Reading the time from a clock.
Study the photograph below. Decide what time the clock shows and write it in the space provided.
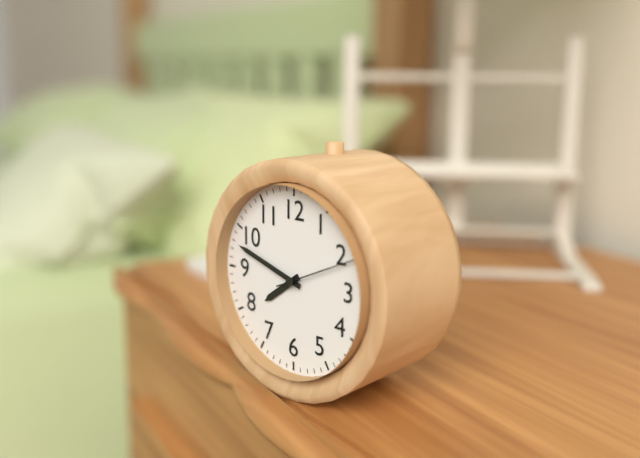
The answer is 7:48:11
